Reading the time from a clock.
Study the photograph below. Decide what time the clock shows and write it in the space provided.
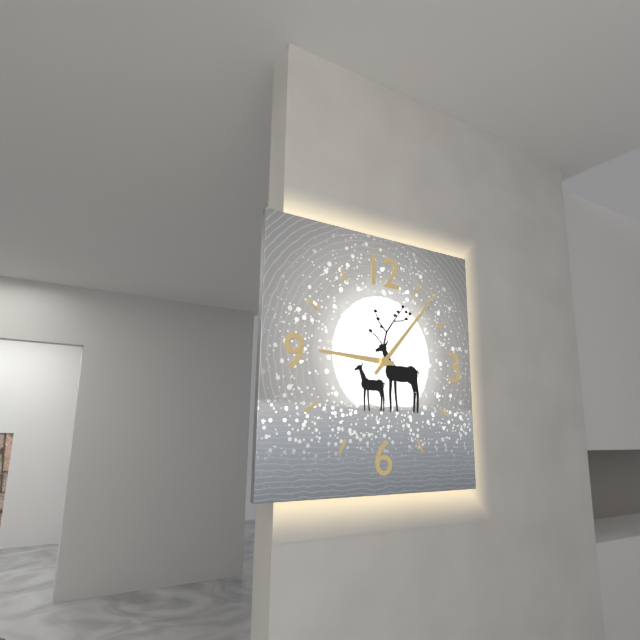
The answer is 9:07
